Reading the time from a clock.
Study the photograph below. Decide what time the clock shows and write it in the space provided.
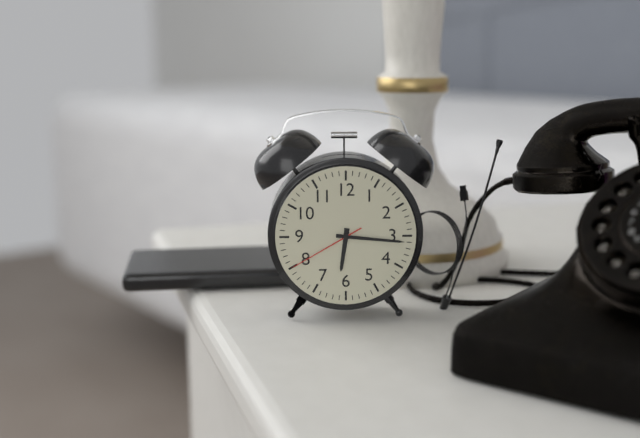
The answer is 6:16:40
